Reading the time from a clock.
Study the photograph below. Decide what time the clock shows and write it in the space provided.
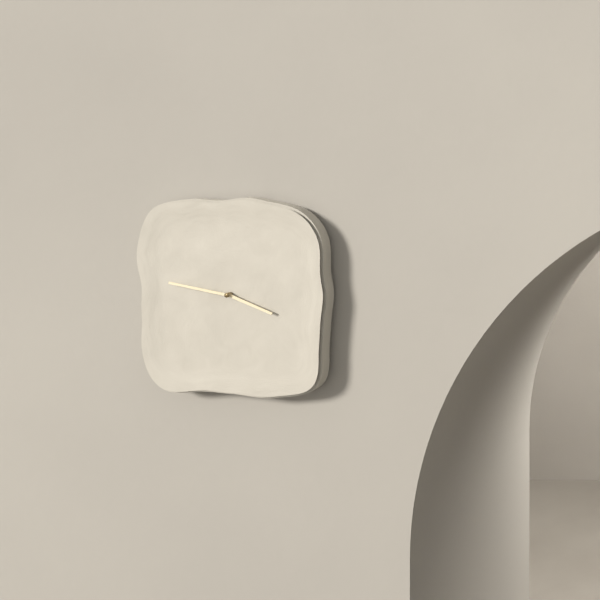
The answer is 3:47
